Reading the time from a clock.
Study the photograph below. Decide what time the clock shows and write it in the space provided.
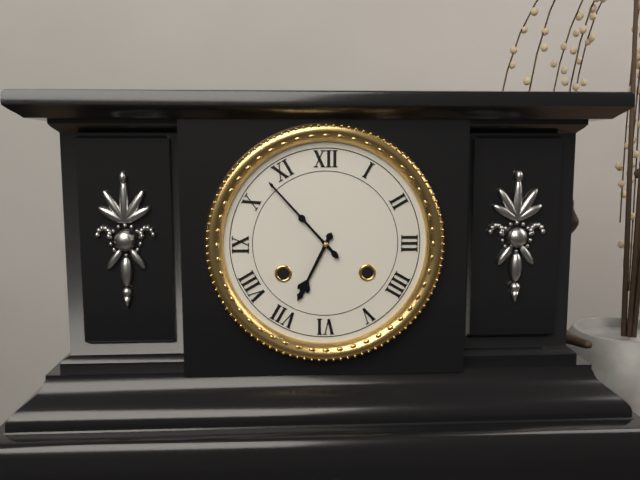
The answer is 6:53
